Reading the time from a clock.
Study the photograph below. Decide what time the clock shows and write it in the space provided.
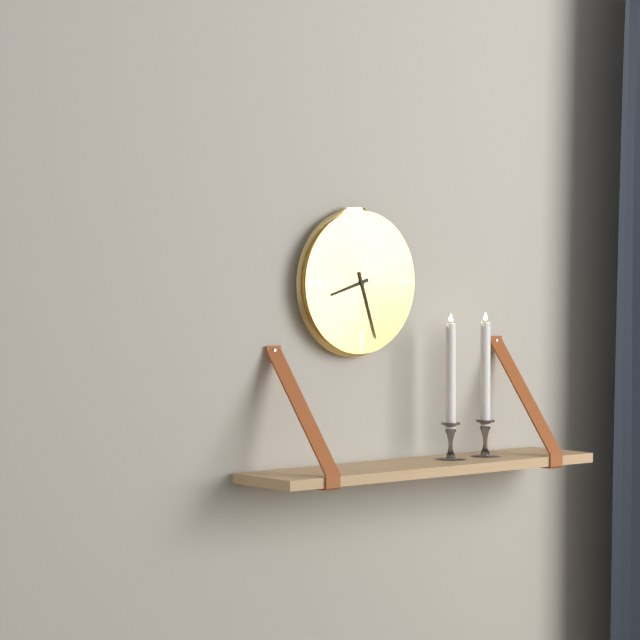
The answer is 8:27
